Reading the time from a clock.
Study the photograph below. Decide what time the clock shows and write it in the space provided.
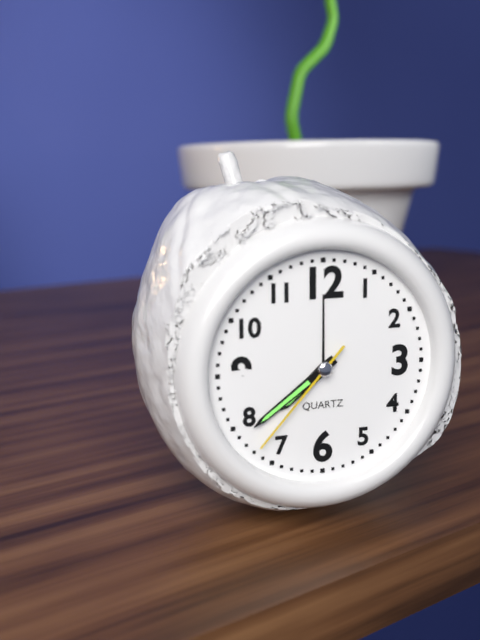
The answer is 7:39:37
